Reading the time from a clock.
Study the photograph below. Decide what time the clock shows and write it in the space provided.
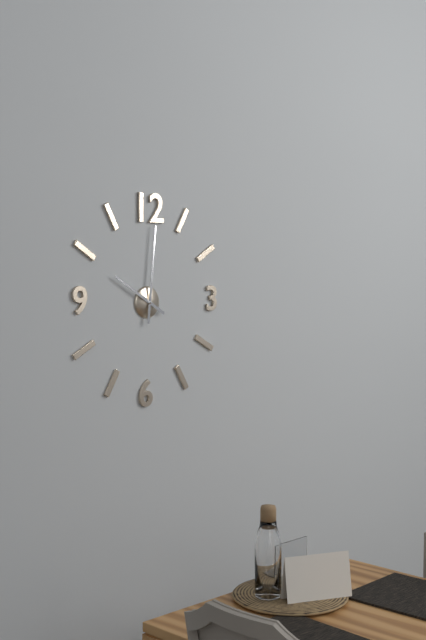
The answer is 10:01
